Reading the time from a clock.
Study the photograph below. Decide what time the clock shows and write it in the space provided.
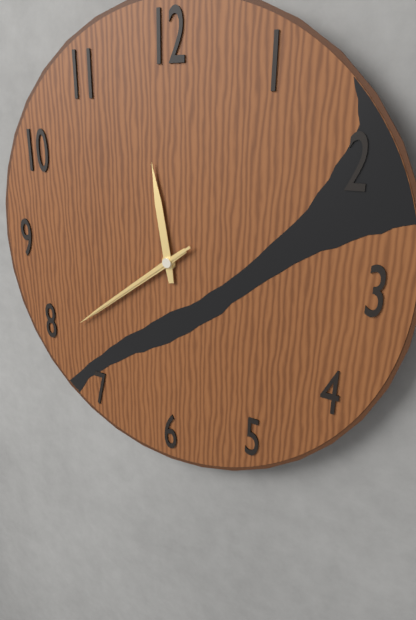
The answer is 11:39:39
